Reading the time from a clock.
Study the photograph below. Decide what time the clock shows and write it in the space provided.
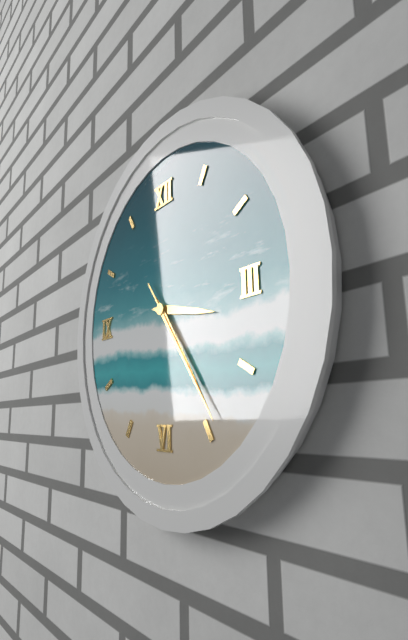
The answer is 3:24:24
